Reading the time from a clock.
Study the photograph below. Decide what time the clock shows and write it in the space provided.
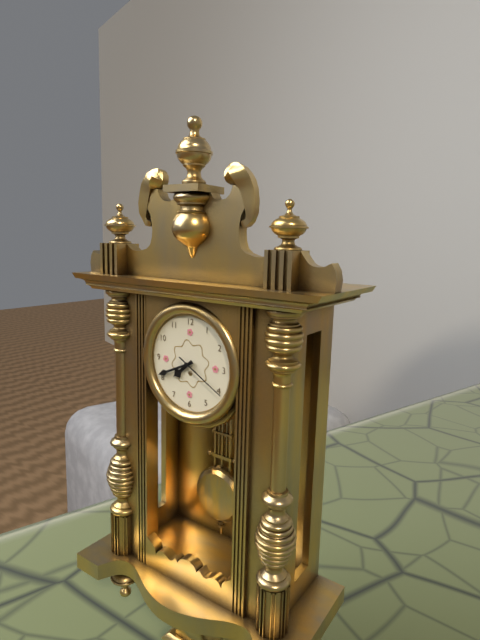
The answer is 7:41:20
